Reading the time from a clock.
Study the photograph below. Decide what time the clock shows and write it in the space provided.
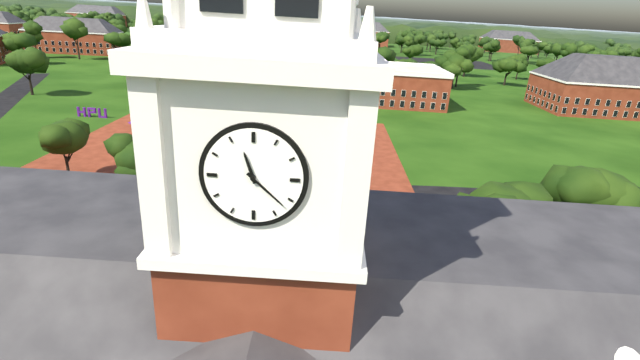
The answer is 11:22
